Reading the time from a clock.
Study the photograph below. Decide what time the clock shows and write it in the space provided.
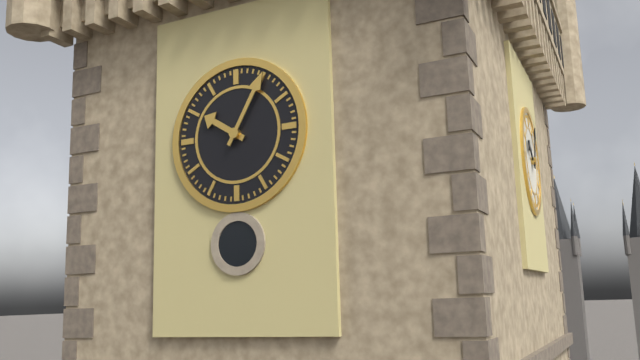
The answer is 10:05
